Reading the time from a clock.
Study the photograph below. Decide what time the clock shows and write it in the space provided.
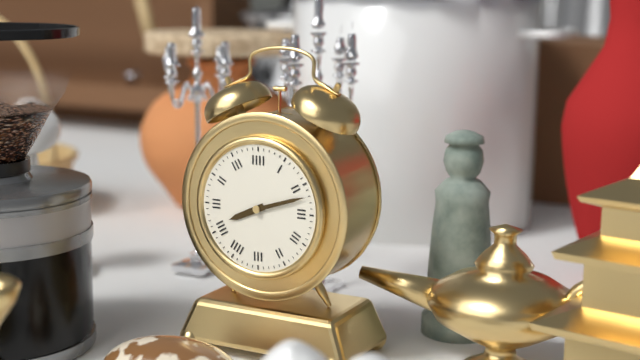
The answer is 8:12
